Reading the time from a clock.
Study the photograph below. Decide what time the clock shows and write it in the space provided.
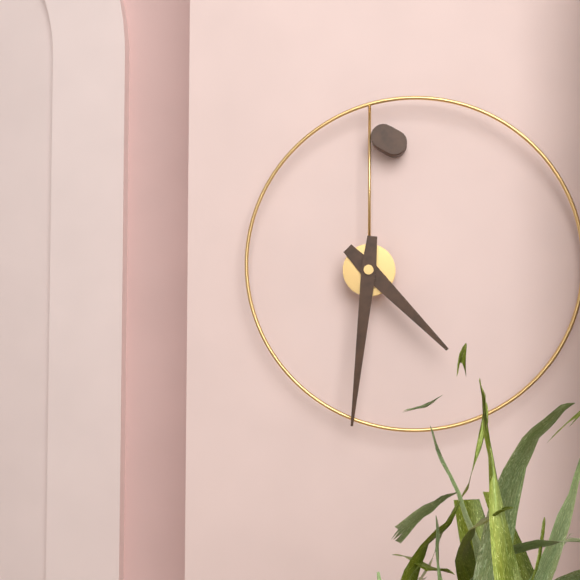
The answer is 4:31
